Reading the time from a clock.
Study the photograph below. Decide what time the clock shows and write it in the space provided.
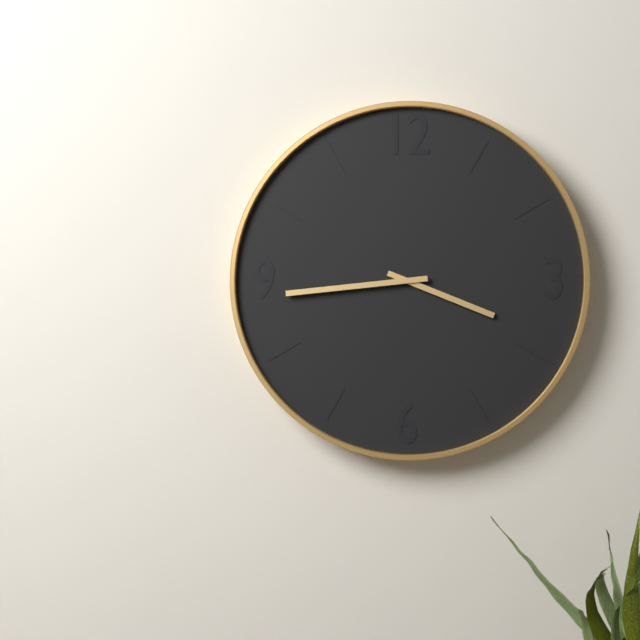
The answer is 3:44
